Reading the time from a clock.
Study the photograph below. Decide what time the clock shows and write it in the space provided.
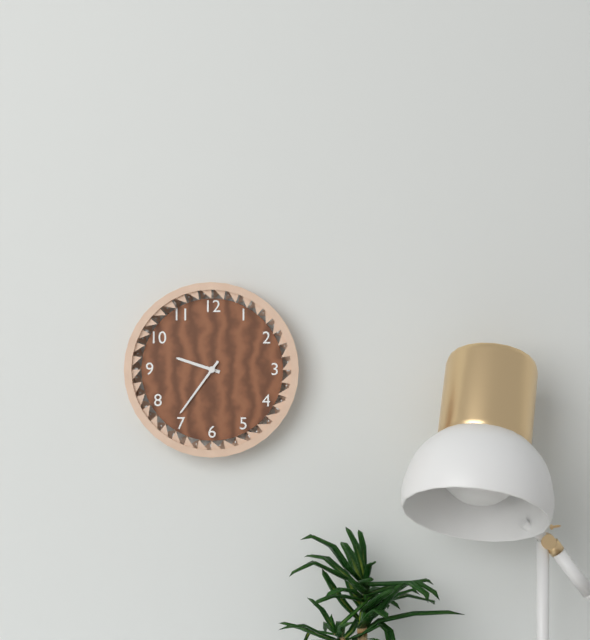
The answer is 9:36
